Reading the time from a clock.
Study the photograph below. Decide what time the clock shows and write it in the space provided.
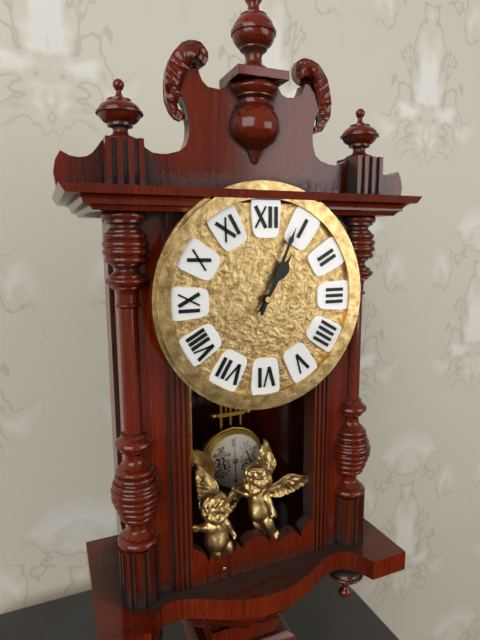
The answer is 1:04
